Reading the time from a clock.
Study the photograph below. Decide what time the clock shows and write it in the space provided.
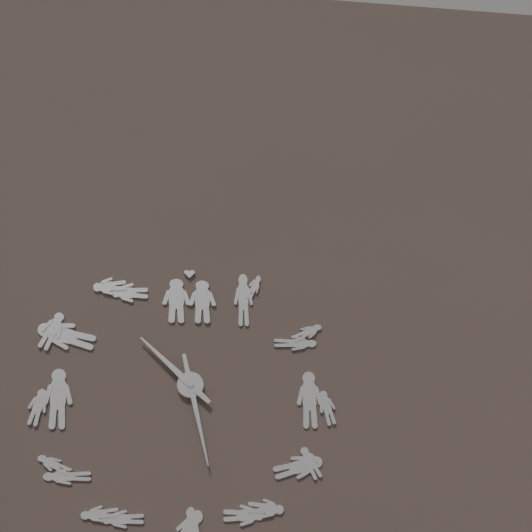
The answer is 10:28
